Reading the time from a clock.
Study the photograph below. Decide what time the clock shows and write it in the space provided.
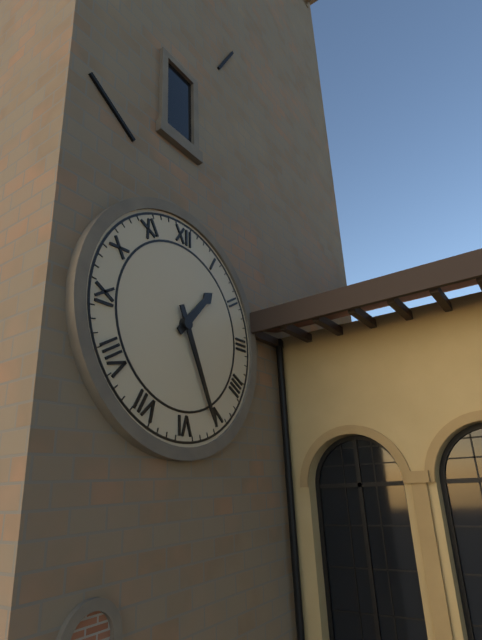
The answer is 1:26
